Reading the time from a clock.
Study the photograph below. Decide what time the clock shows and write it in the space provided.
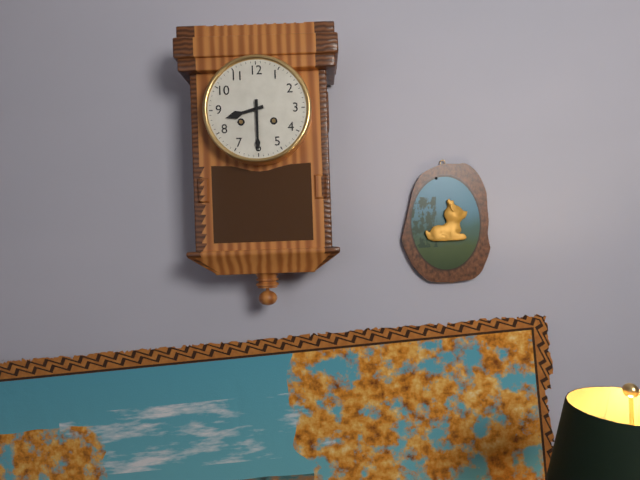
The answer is 8:30
